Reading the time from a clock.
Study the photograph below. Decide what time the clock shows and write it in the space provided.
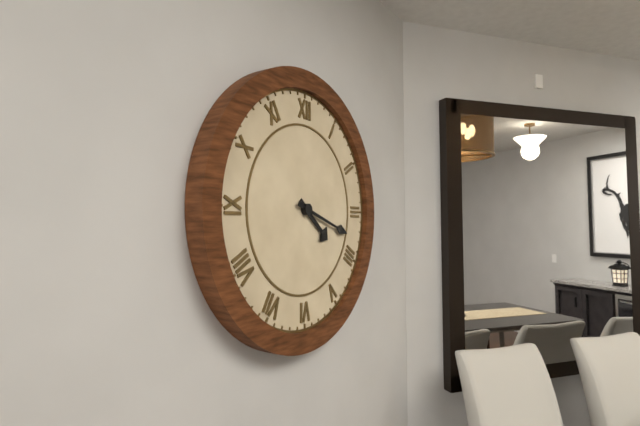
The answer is 4:18
